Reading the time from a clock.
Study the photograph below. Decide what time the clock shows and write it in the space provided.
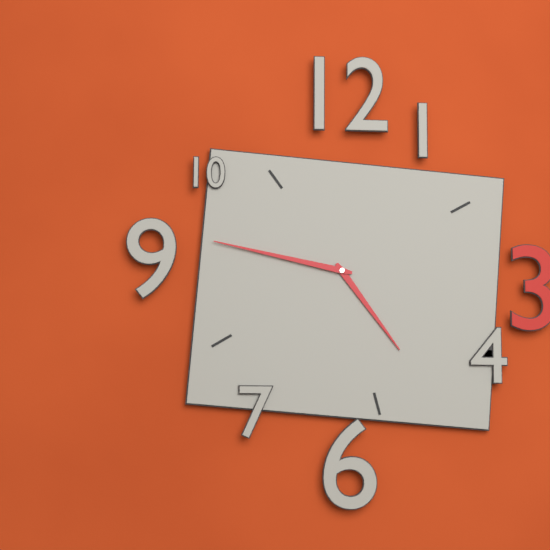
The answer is 4:47
